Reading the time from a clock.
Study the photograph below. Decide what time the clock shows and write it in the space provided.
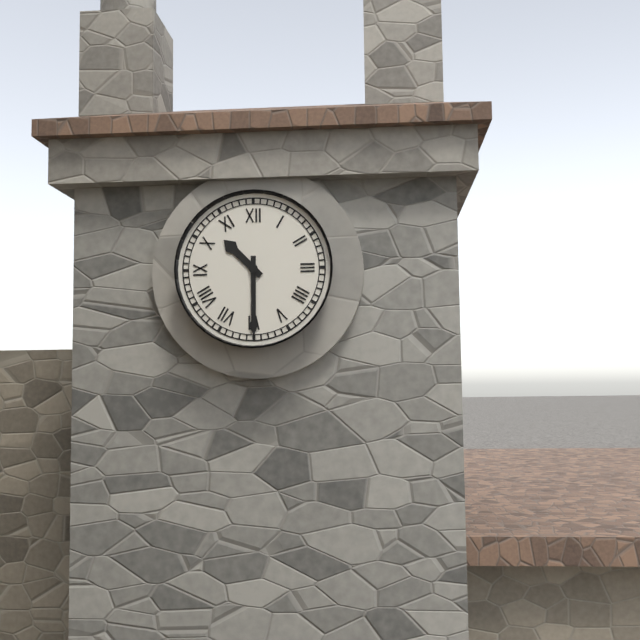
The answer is 10:30
